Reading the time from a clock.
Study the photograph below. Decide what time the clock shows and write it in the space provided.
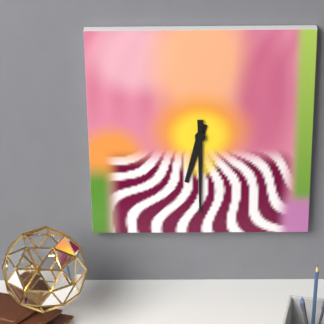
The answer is 6:30
